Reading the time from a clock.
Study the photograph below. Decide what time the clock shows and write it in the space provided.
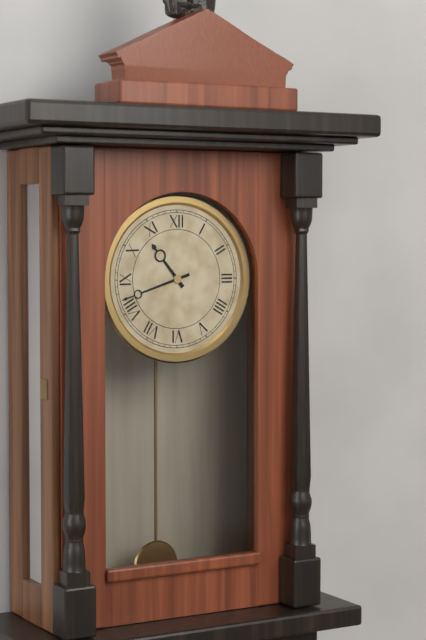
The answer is 10:42
